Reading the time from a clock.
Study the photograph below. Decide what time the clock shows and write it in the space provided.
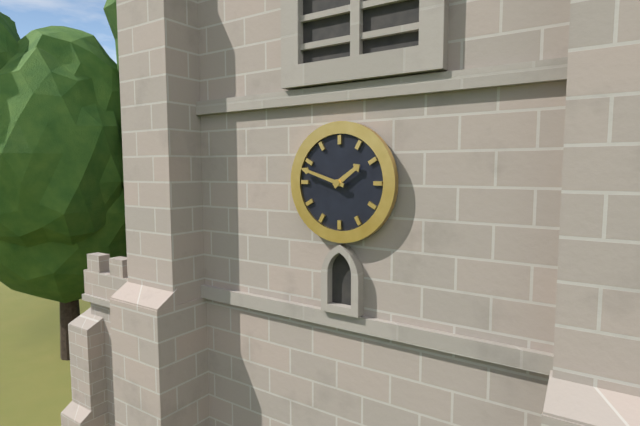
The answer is 1:48
